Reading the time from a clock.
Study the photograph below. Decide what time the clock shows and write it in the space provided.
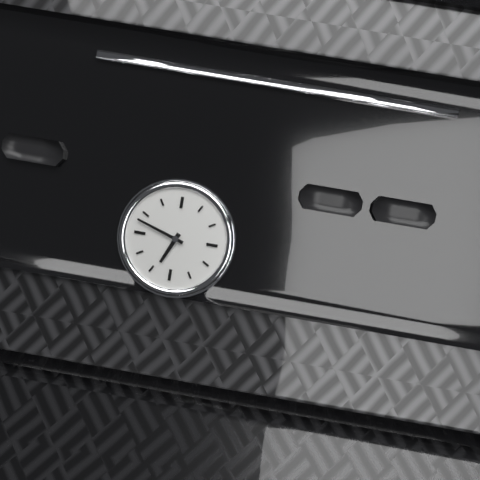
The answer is 6:48
